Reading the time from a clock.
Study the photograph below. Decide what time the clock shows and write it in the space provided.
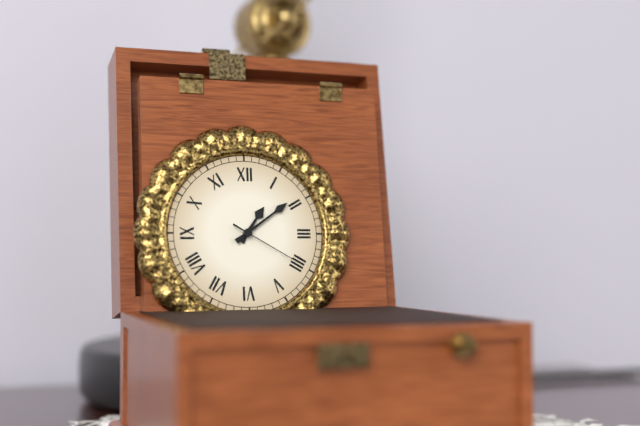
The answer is 1:09:20
